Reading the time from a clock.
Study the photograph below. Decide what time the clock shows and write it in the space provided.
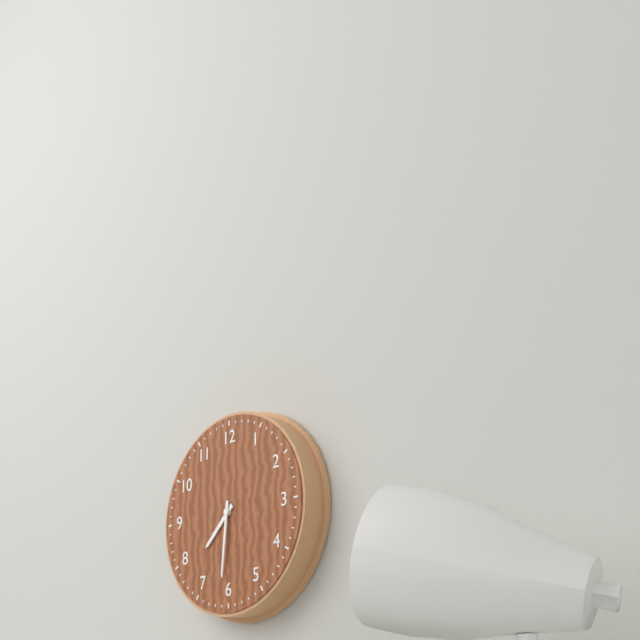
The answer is 7:31
